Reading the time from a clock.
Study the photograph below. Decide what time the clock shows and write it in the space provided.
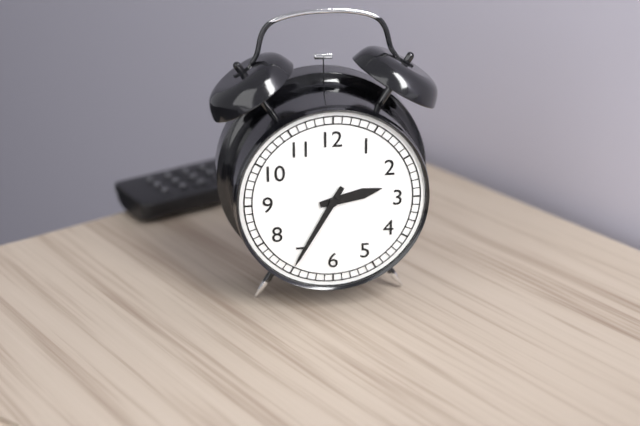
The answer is 2:35
